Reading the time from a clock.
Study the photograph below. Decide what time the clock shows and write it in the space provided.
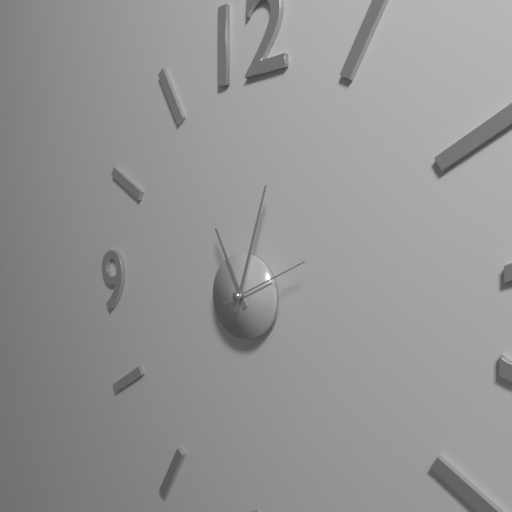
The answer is 11:03:11
